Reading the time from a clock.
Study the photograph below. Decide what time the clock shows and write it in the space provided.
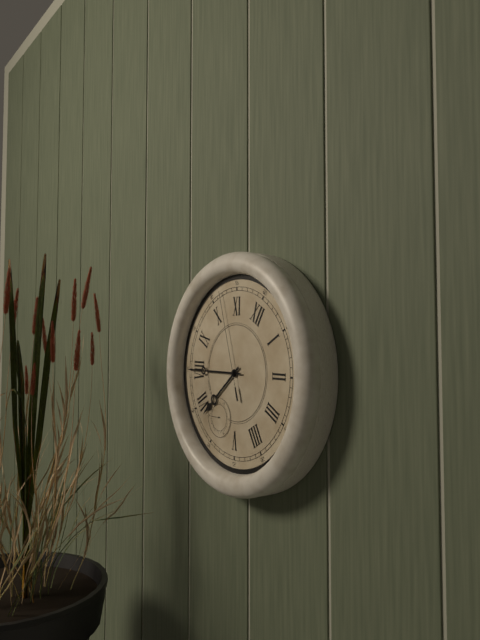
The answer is 6:40:52
